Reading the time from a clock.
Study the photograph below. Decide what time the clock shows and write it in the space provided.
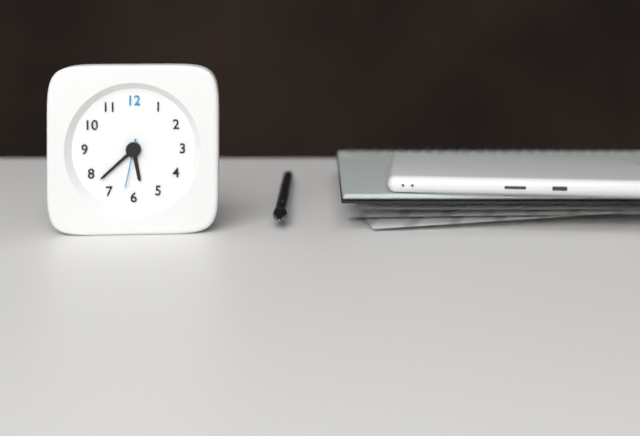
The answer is 5:38:32
